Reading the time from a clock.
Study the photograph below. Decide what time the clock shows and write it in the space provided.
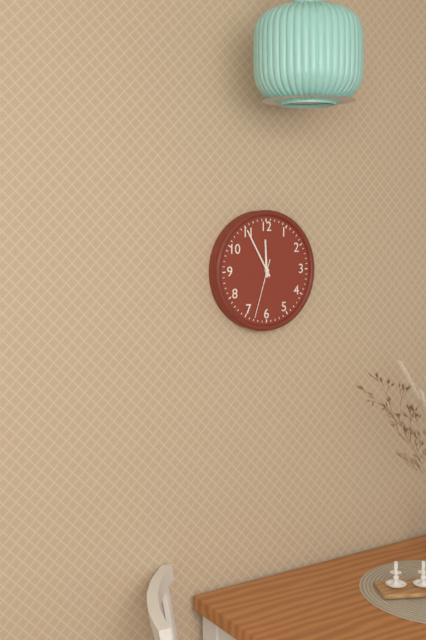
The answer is 11:55:33
